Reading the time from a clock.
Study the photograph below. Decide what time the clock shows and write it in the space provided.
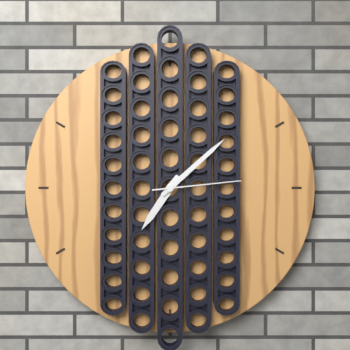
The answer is 7:08:14
